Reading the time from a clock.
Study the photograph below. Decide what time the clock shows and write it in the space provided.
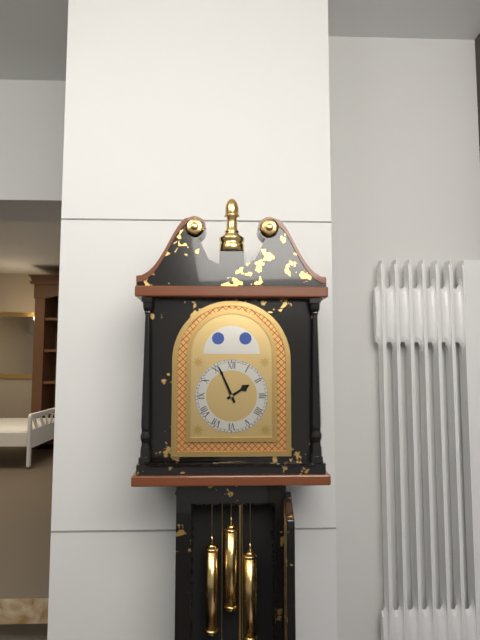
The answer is 1:56
